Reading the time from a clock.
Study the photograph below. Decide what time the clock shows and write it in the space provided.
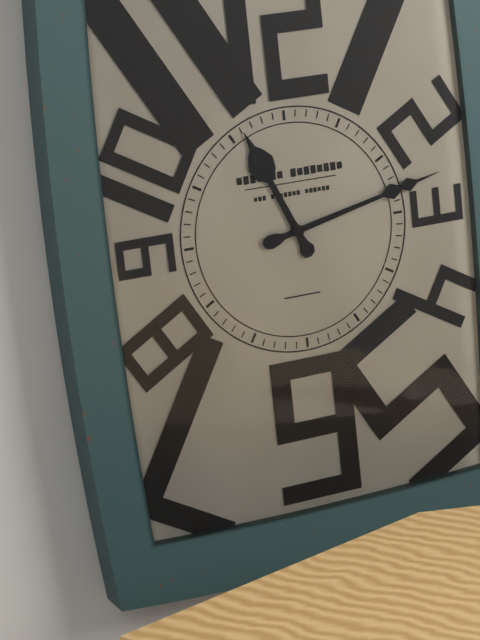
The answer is 11:13
